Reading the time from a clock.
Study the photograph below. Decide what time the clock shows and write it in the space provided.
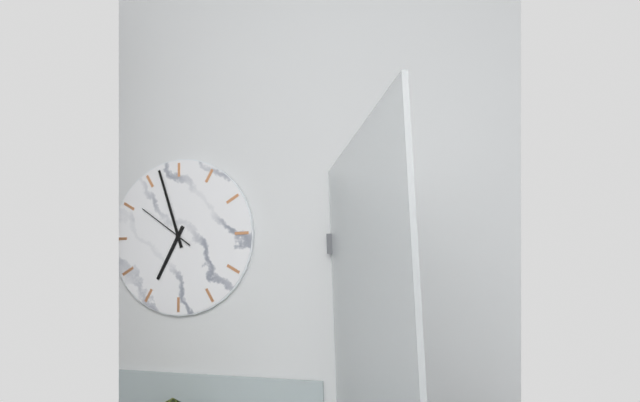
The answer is 6:57:51
